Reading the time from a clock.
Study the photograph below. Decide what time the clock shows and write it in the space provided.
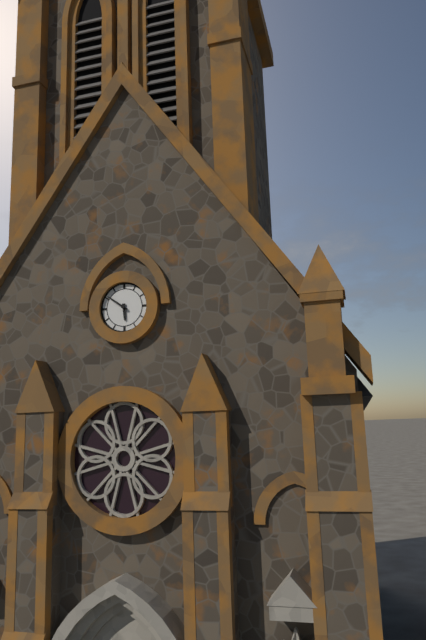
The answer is 5:51
